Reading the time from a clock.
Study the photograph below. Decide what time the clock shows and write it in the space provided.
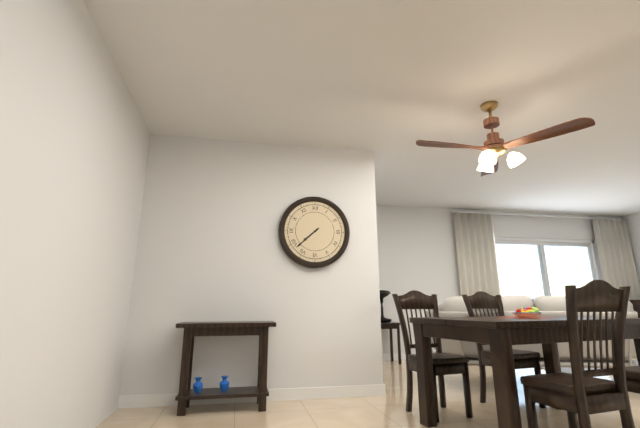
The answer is 7:38
